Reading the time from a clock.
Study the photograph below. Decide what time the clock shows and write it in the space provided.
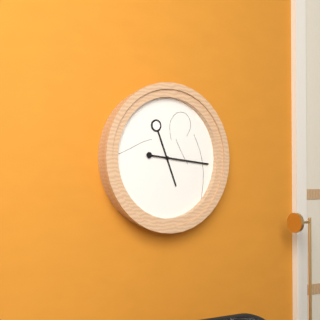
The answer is 5:16
